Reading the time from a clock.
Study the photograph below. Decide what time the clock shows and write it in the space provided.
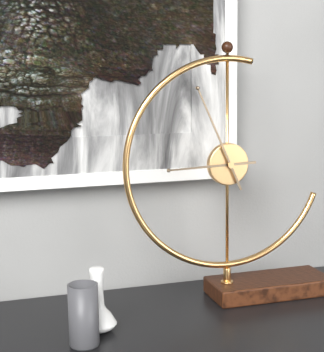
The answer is 8:56
